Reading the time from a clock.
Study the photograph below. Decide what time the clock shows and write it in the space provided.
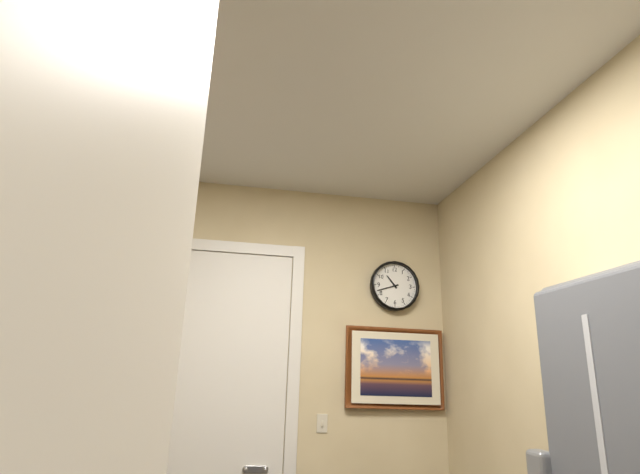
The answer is 10:42
